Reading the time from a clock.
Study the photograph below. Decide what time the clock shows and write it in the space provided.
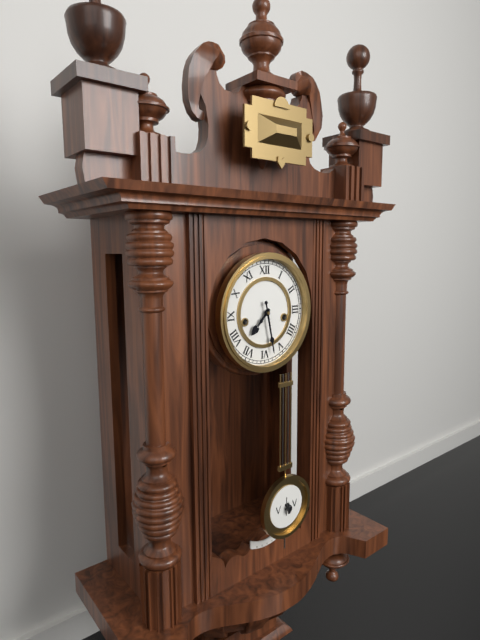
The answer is 7:28
